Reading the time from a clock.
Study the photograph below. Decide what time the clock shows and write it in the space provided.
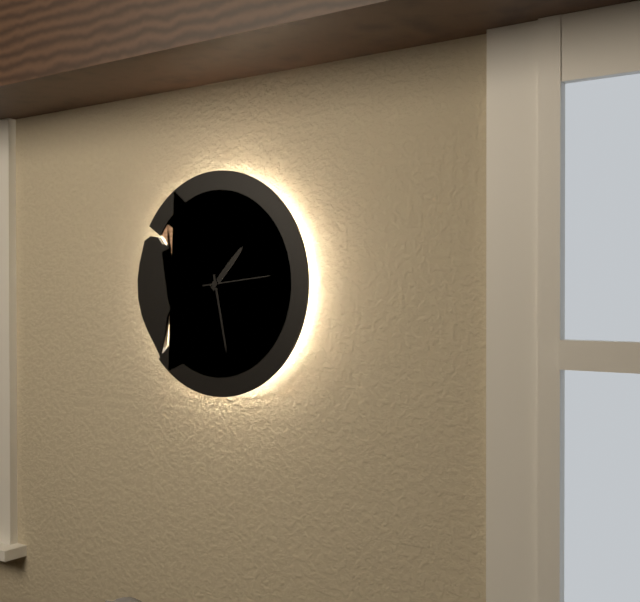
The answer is 1:28:14
